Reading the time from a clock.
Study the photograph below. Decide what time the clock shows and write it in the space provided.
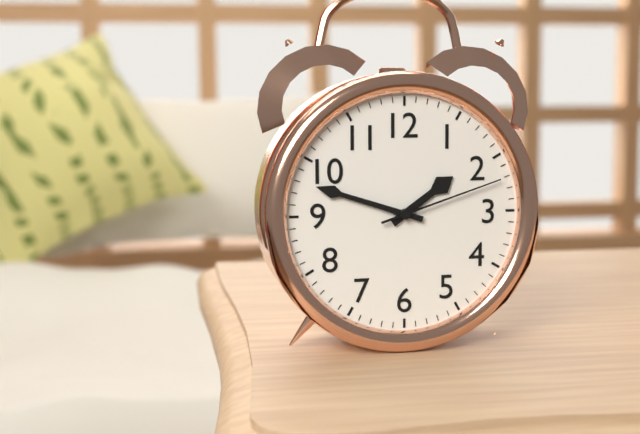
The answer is 1:48:12
